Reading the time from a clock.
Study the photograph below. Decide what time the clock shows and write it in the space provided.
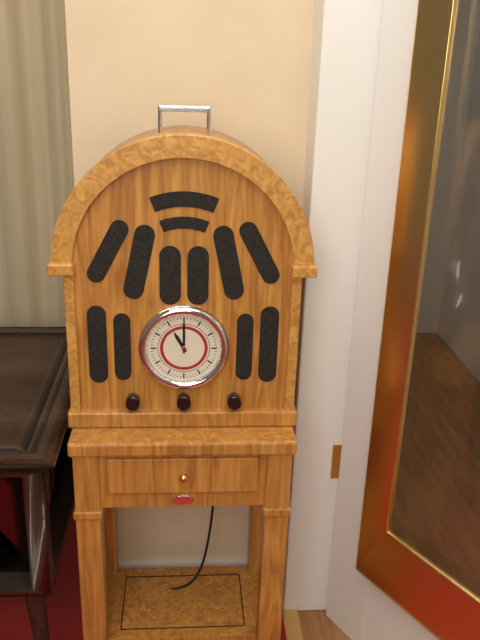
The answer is 11:00
